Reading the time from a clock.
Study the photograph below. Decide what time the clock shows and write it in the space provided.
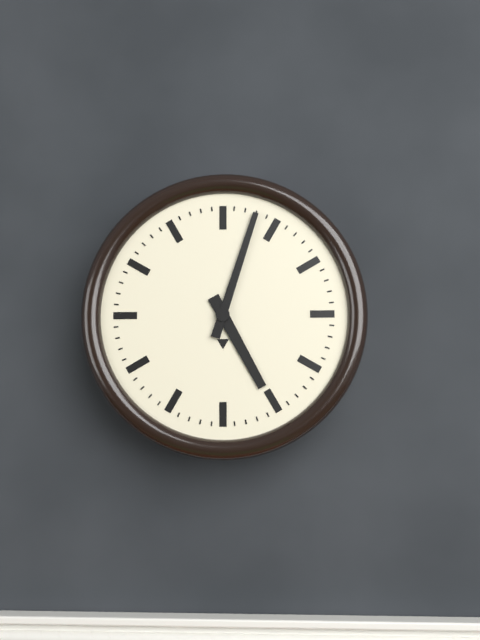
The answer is 5:03
